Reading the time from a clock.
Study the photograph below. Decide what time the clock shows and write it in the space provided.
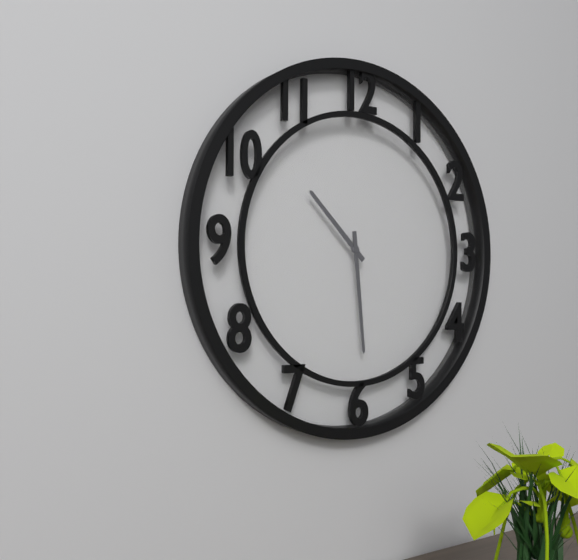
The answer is 10:29
